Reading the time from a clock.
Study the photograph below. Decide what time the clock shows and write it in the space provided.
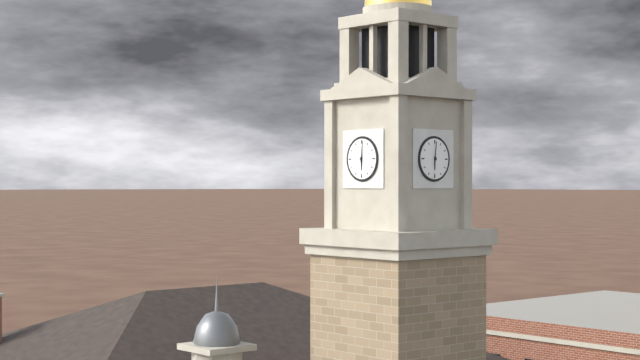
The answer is 6:01
